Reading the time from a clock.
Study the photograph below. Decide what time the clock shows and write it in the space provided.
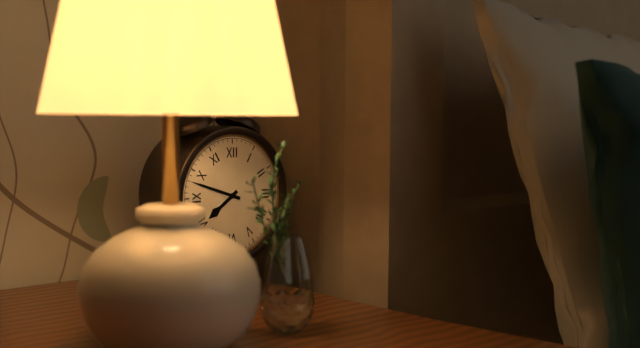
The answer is 7:48
